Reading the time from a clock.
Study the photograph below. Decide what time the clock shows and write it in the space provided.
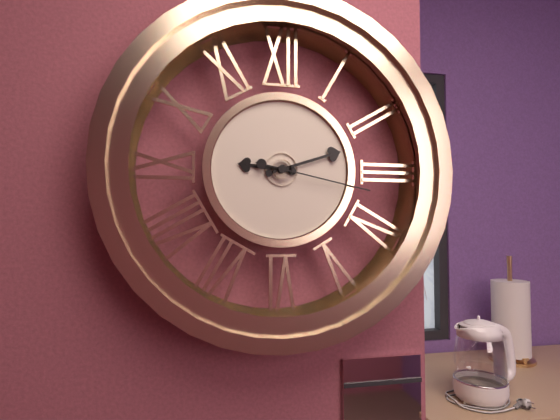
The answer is 9:12:17
